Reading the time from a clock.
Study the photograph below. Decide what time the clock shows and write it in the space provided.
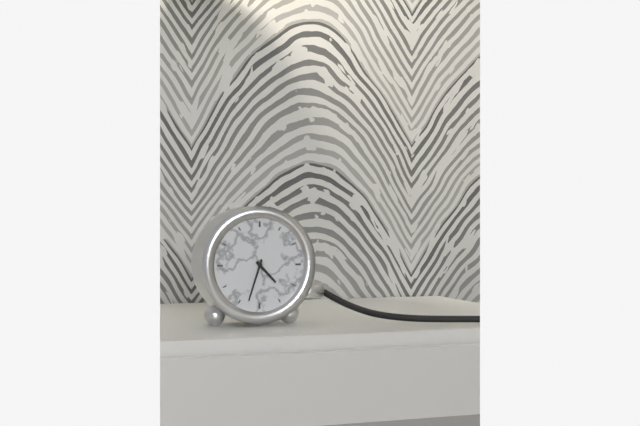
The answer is 4:33
